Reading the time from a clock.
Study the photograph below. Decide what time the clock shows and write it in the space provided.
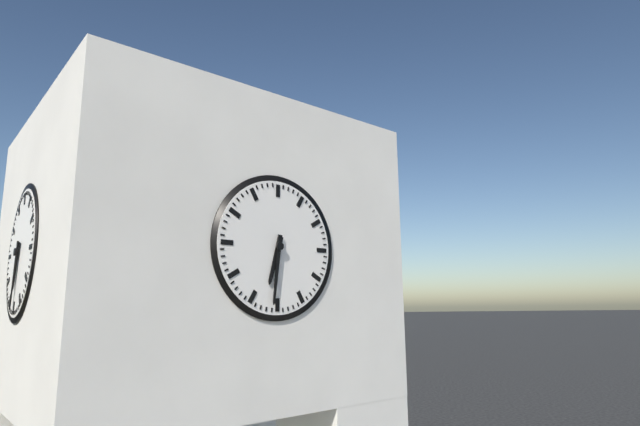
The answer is 6:31
